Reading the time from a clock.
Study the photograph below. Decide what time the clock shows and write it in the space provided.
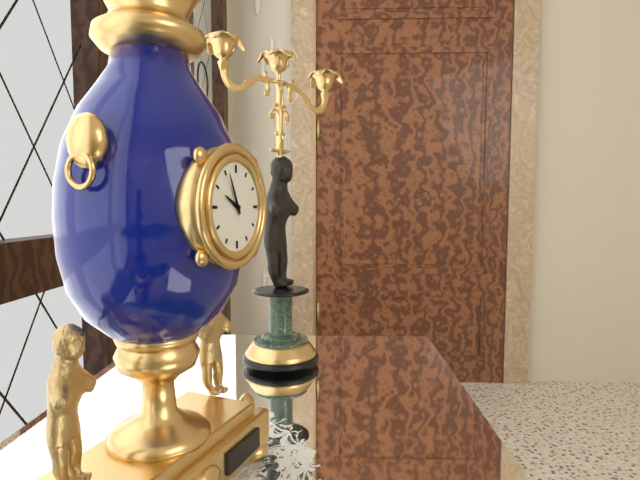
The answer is 9:56
